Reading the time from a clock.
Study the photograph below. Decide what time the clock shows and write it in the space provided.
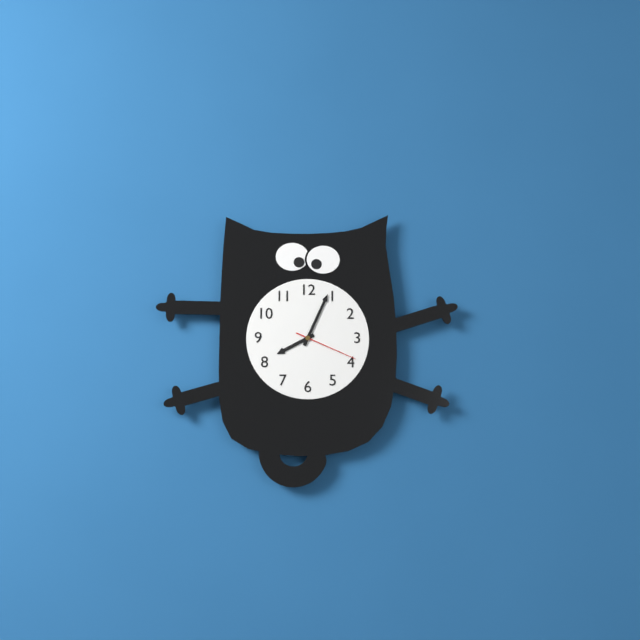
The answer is 8:04:19
